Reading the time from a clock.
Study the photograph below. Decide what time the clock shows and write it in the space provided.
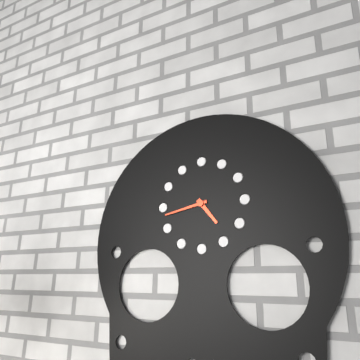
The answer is 4:43
